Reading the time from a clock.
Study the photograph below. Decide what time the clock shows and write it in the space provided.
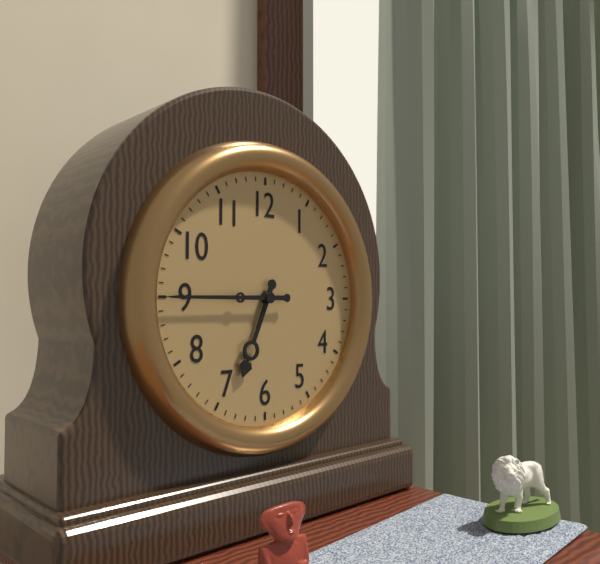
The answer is 6:45
